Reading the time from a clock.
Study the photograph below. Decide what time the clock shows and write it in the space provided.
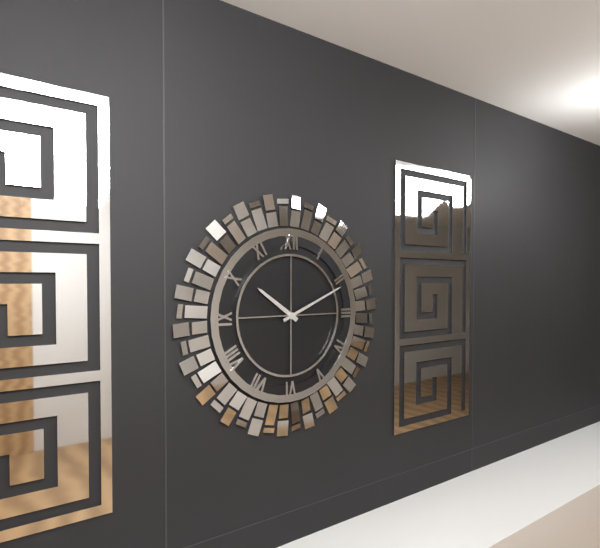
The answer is 10:11
